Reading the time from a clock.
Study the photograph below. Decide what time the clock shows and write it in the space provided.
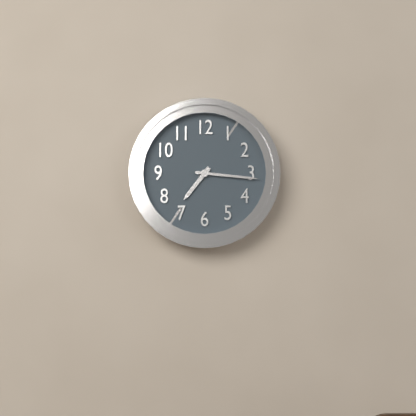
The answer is 7:16
